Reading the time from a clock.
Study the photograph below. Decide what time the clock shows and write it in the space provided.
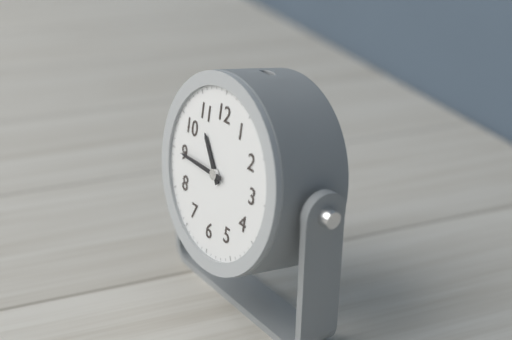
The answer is 10:45
